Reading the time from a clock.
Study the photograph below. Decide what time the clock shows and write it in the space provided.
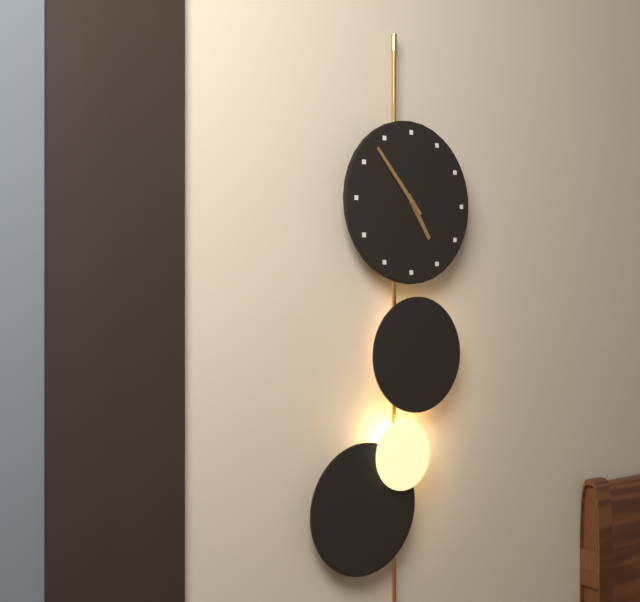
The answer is 4:53
